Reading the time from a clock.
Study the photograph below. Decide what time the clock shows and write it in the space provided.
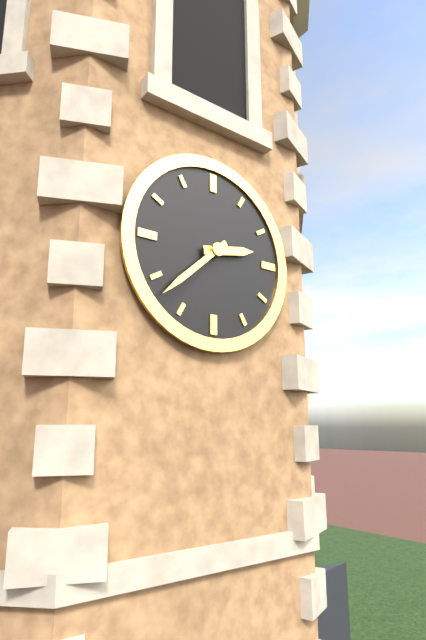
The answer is 2:38
